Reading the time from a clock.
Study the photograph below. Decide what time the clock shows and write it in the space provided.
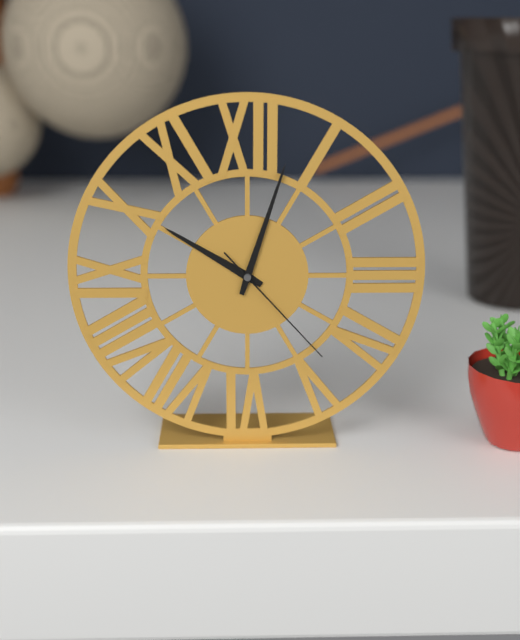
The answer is 10:03:23
